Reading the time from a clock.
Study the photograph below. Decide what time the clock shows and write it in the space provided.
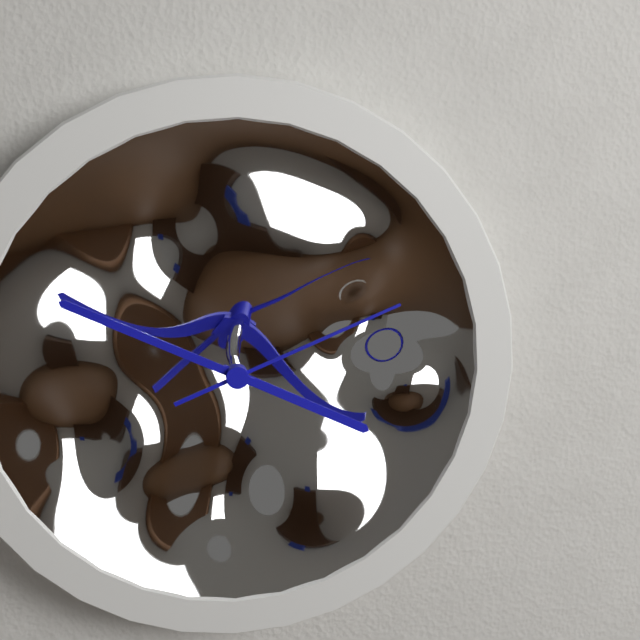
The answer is 3:49:11
